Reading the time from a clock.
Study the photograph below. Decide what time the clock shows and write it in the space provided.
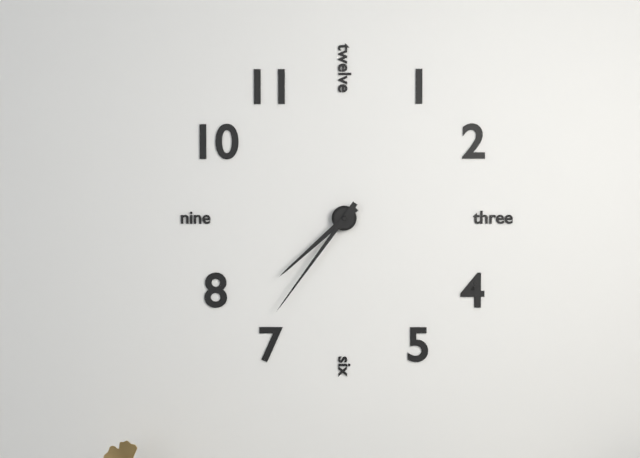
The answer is 7:36
